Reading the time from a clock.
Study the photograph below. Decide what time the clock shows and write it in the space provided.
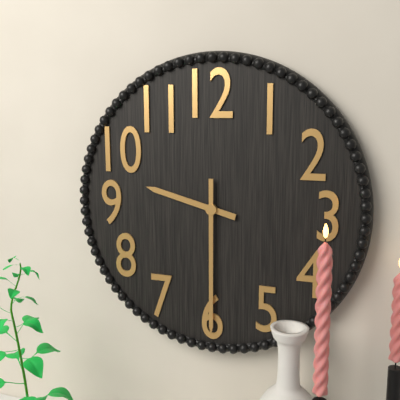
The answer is 9:30
